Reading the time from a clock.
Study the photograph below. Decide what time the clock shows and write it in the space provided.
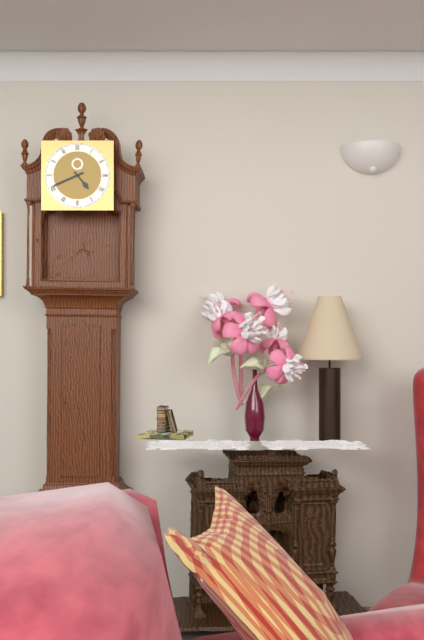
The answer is 4:41
